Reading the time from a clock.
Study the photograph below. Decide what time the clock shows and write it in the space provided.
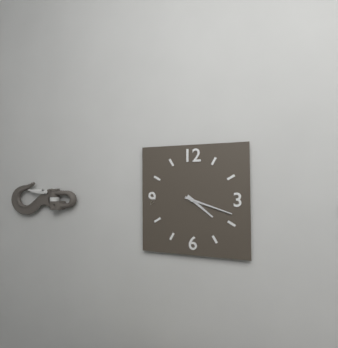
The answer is 4:18
